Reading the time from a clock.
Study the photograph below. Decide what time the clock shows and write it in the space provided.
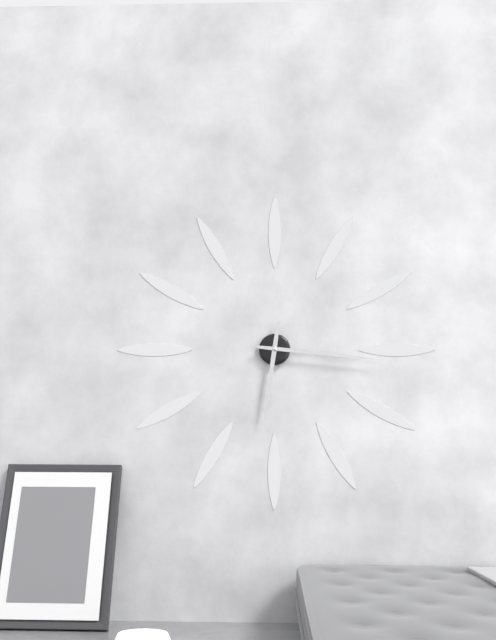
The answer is 6:16
